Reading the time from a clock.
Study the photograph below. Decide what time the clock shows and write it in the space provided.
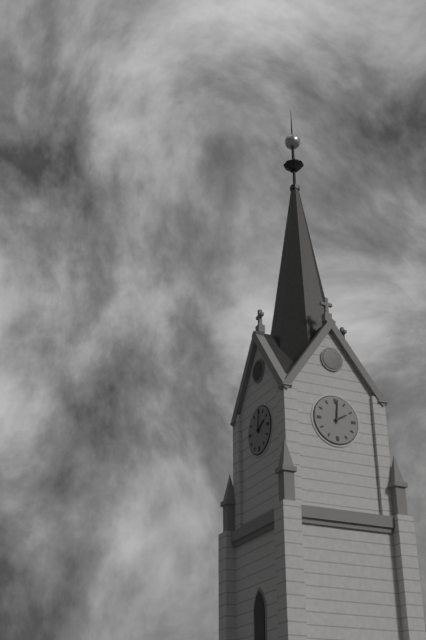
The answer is 2:01
